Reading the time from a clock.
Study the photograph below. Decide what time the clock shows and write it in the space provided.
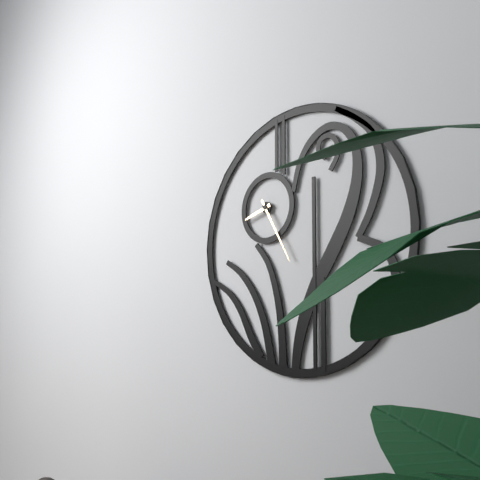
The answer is 8:25
